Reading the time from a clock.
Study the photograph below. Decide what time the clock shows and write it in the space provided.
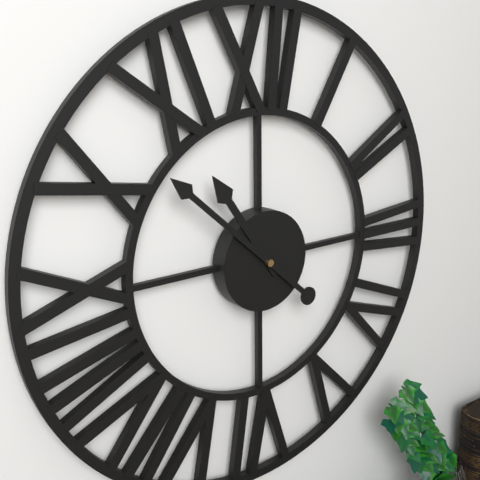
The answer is 10:52
